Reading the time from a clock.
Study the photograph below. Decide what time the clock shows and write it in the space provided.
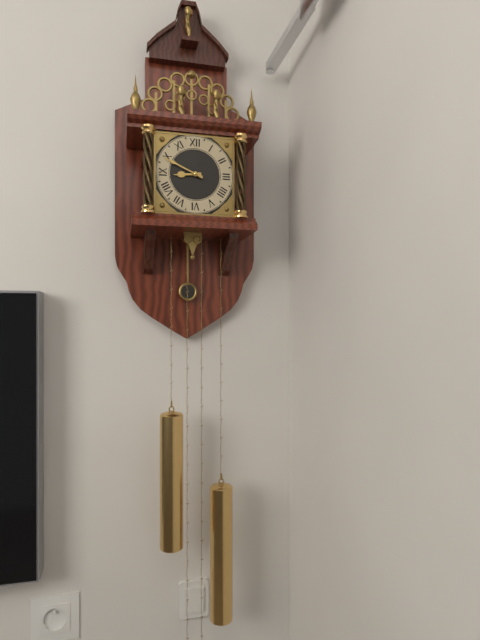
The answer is 8:49
